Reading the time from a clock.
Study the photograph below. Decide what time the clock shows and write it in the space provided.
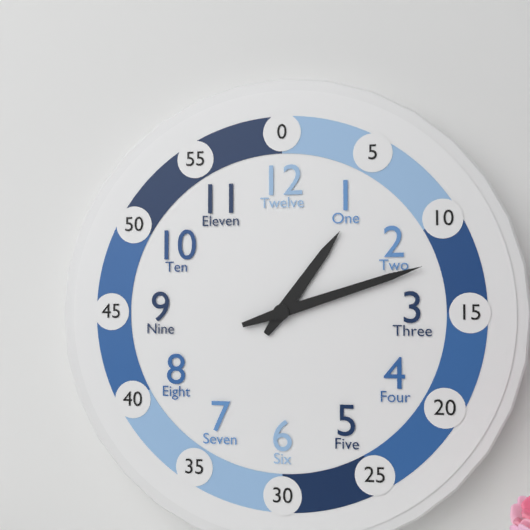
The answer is 1:12
